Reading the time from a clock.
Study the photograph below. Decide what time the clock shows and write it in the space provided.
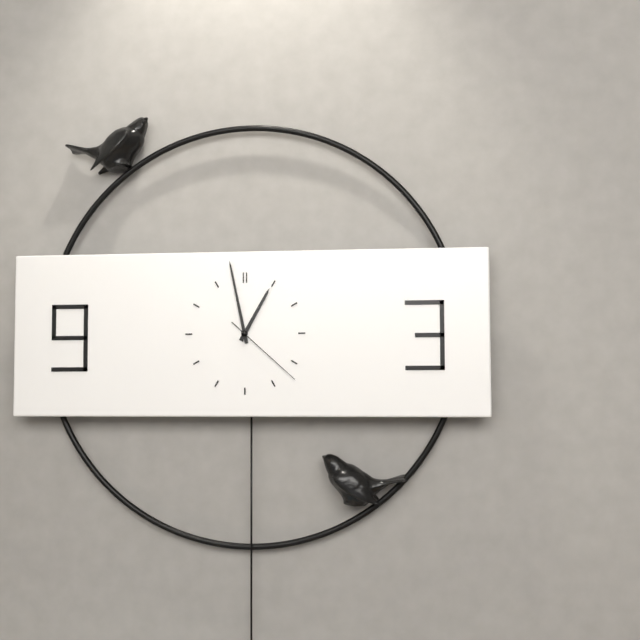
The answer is 12:58:22
